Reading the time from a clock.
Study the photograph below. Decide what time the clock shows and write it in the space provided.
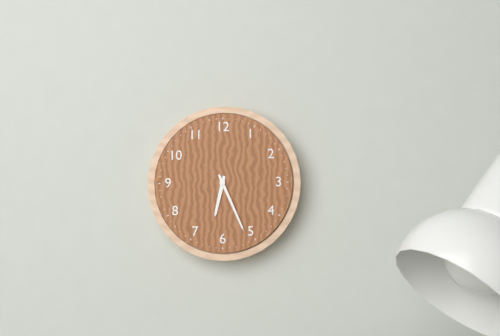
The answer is 6:26
